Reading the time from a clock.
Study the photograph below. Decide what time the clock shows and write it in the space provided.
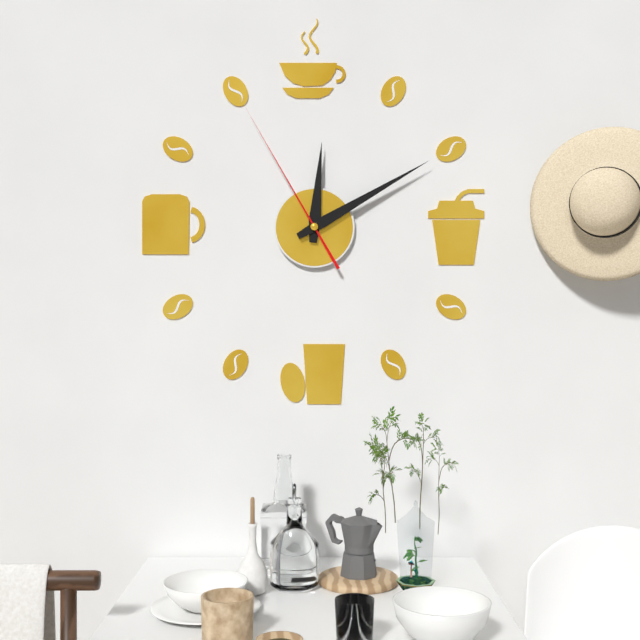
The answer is 12:10:55
